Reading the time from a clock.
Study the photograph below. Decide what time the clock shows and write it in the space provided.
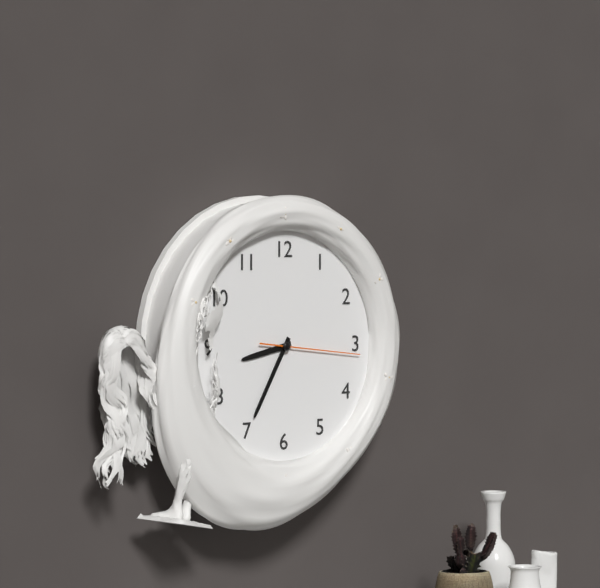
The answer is 8:35:16
